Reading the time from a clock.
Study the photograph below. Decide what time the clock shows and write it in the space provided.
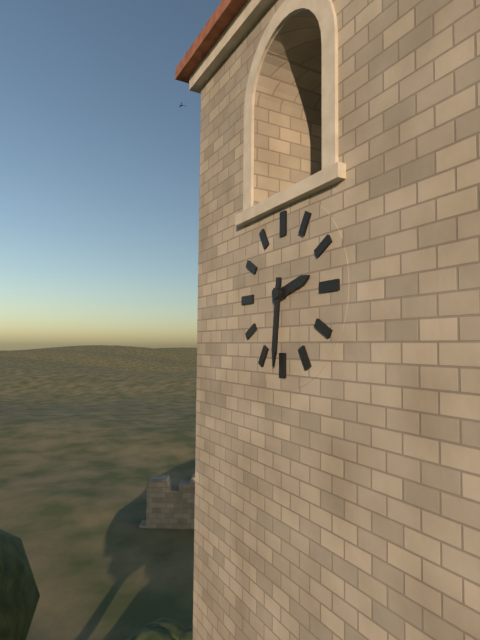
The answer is 2:31
